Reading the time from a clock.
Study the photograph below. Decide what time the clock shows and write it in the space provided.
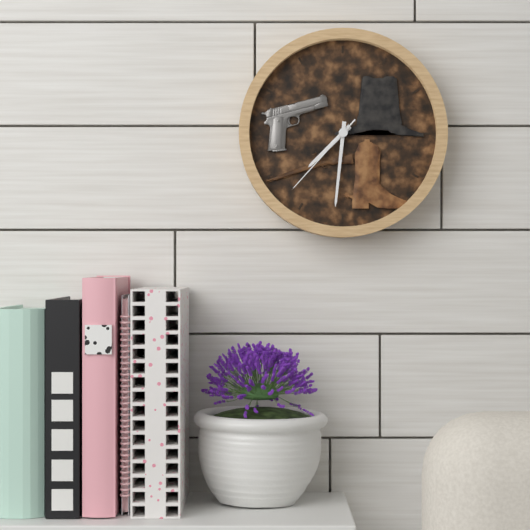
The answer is 7:31:37
